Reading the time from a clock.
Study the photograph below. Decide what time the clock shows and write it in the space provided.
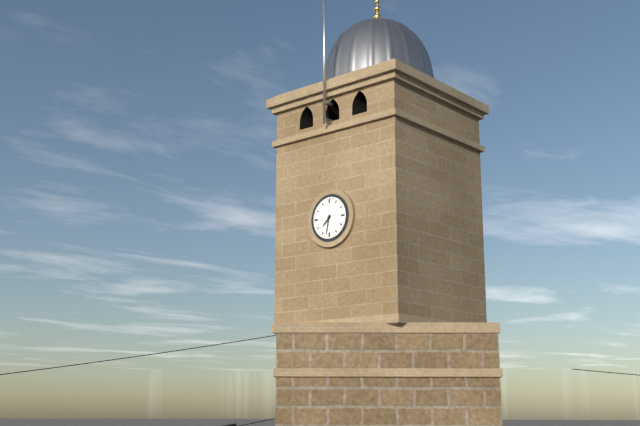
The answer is 7:32
